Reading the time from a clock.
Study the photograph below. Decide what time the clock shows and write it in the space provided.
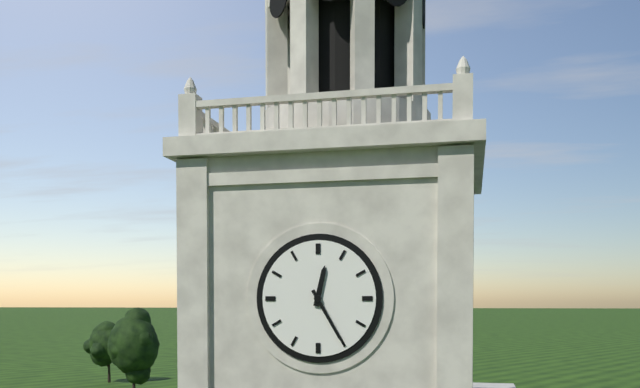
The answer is 12:25
